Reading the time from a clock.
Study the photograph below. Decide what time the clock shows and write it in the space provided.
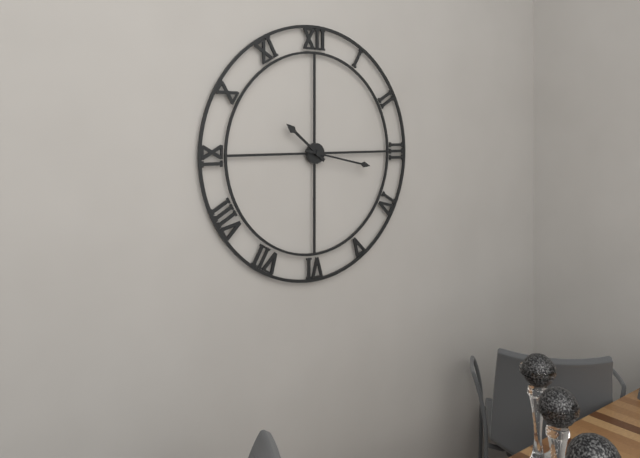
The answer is 10:17
